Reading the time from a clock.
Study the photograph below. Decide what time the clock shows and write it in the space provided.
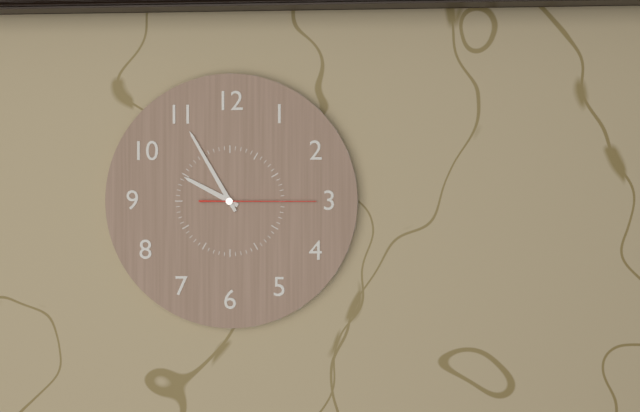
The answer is 9:55:15
